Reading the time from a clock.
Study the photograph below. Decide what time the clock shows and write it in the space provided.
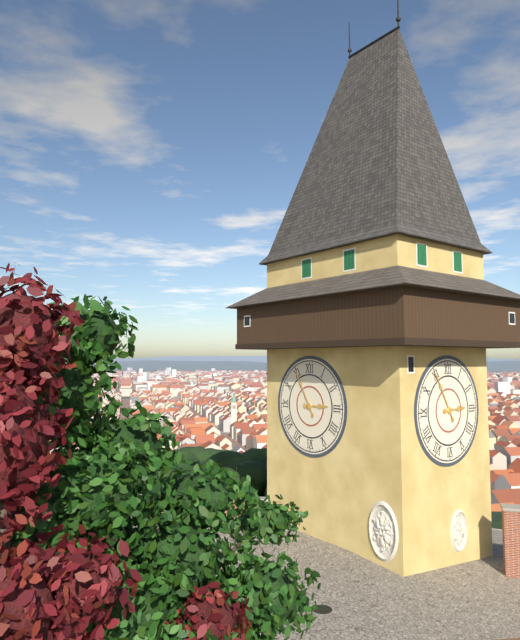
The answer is 2:55
